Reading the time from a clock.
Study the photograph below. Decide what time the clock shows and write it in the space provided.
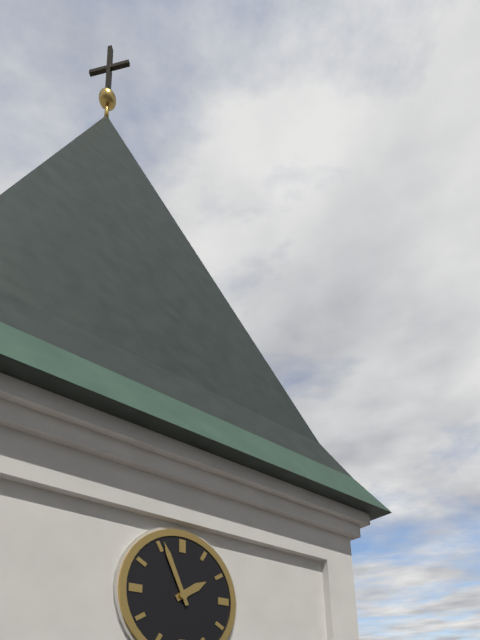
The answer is 1:56
